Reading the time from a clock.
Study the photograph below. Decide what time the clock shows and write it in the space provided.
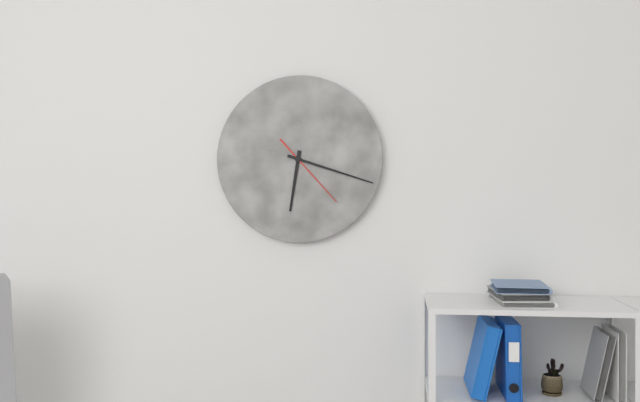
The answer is 6:18:23
